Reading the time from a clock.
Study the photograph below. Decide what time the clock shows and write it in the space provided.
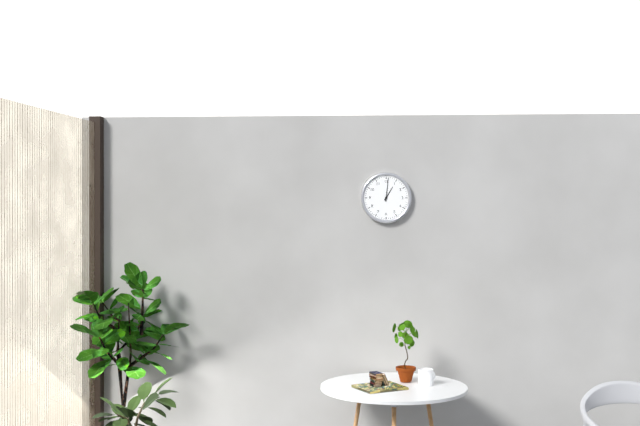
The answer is 1:01
